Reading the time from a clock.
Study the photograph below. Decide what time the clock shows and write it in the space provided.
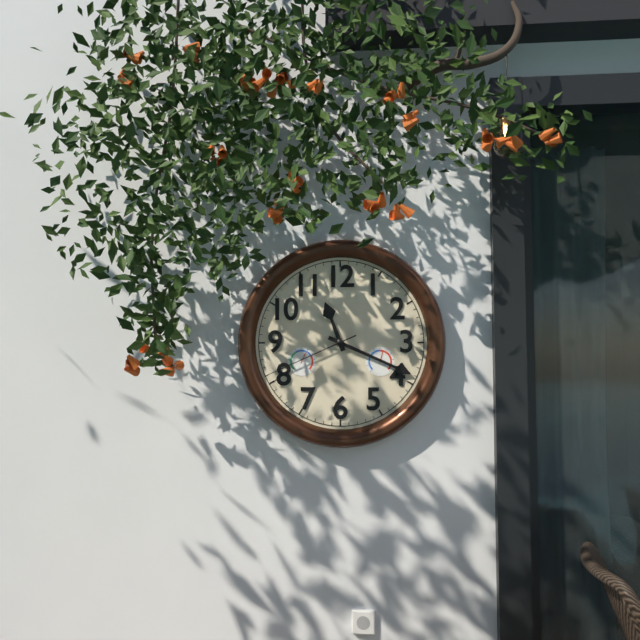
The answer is 11:19:41
